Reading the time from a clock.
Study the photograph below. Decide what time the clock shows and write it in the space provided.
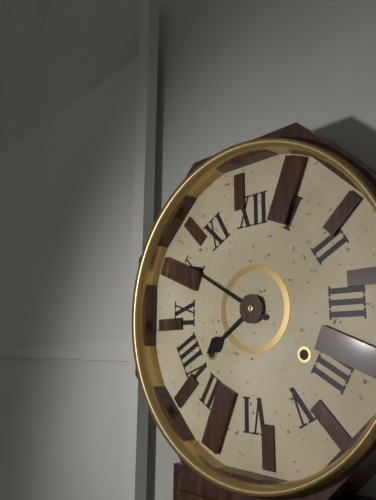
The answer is 7:50
